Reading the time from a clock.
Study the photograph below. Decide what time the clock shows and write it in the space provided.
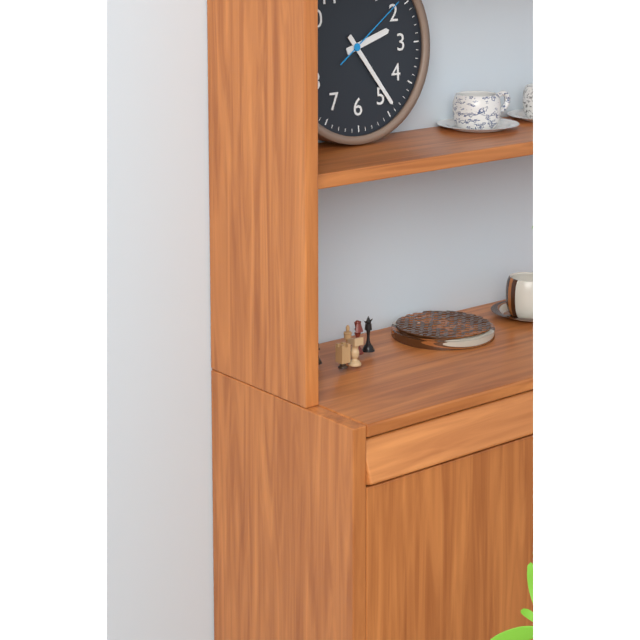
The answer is 2:24:09
